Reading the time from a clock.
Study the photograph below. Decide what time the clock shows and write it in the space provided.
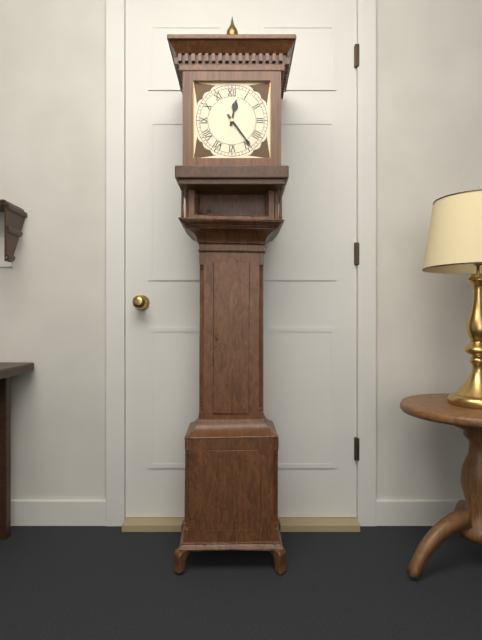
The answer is 12:24
